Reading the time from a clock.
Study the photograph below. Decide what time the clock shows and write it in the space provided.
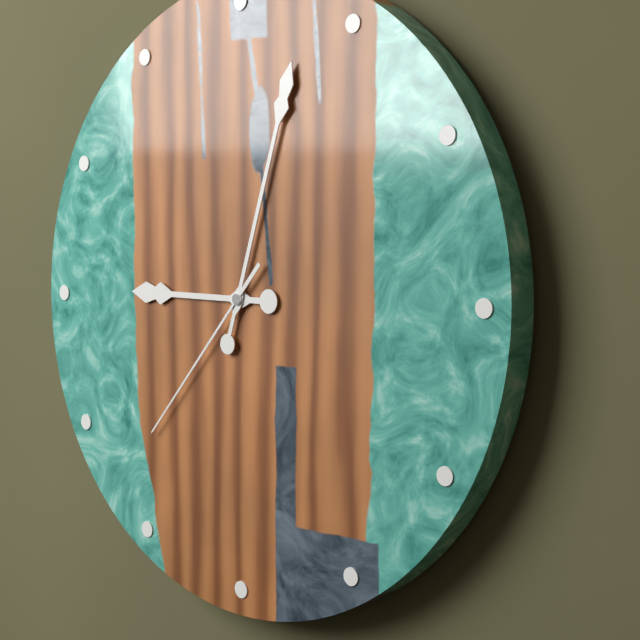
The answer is 9:03:37
